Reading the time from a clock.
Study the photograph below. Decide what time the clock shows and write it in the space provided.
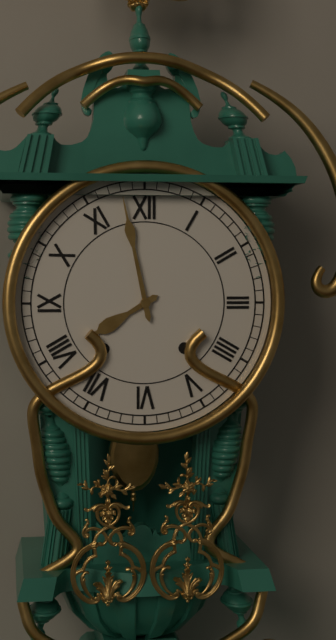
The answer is 7:58
